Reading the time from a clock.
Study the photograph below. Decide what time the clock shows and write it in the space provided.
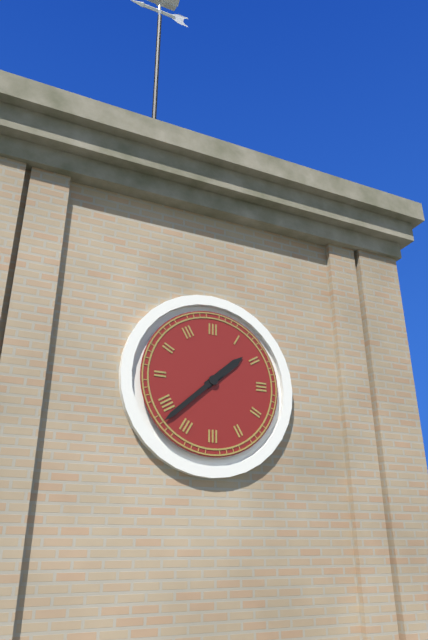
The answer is 1:38
